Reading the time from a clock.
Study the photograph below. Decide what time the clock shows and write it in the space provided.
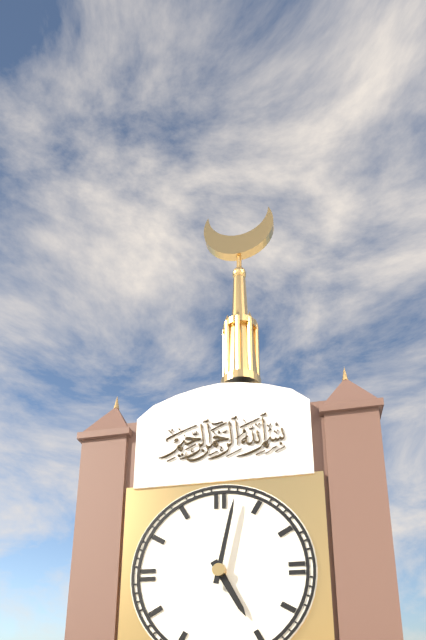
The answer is 5:02
